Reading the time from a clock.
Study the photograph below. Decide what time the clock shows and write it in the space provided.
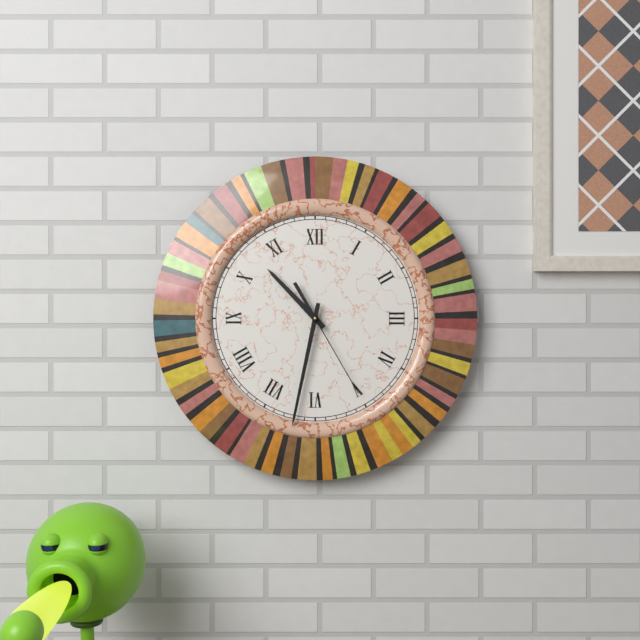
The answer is 10:32:25
